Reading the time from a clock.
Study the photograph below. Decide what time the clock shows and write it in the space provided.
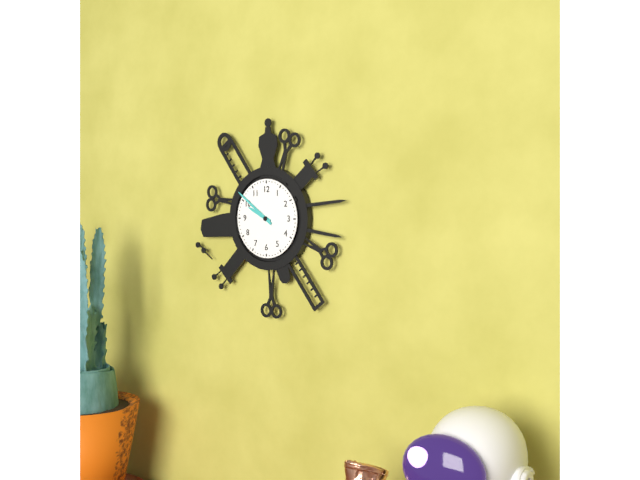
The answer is 9:51
